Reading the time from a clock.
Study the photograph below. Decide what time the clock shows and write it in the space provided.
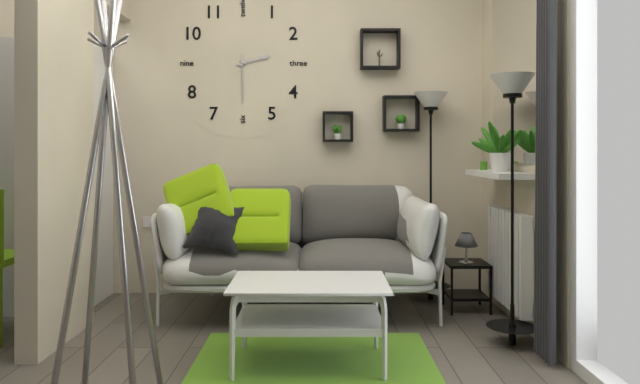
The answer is 2:30
